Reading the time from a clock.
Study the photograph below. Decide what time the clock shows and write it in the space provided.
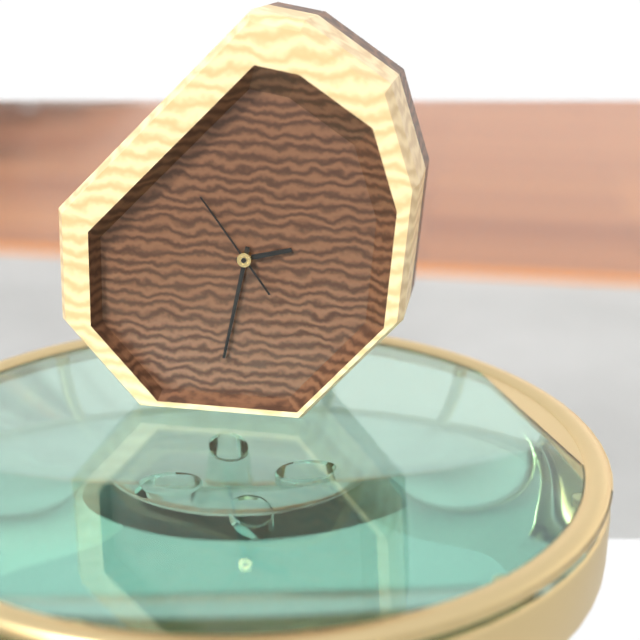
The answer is 2:32:54
